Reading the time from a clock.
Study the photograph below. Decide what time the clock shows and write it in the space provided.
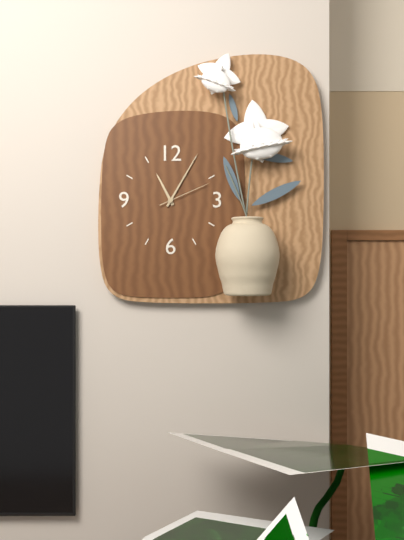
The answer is 11:05:11
